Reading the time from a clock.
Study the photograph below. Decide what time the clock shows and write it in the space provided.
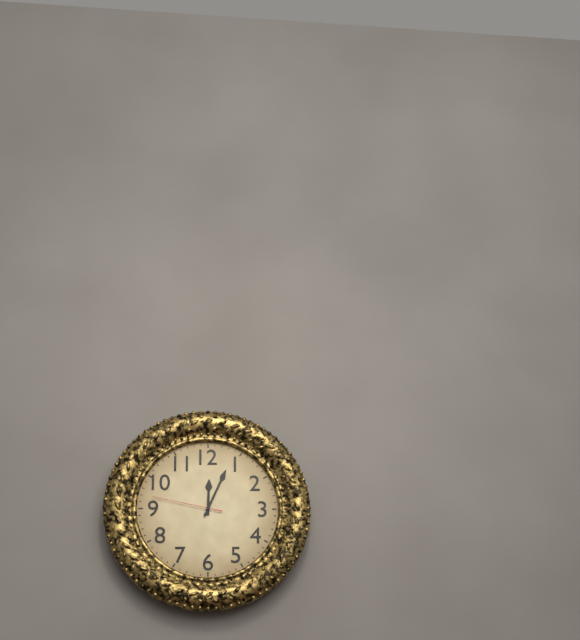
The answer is 12:04:47
